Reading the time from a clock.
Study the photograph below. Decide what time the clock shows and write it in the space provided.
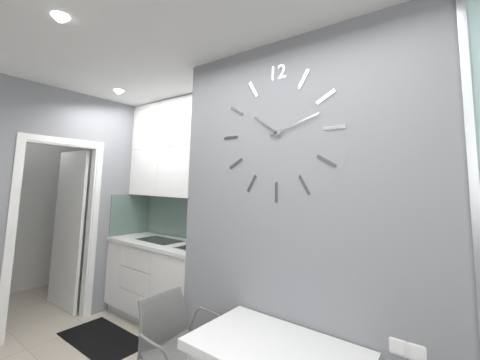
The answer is 10:12
